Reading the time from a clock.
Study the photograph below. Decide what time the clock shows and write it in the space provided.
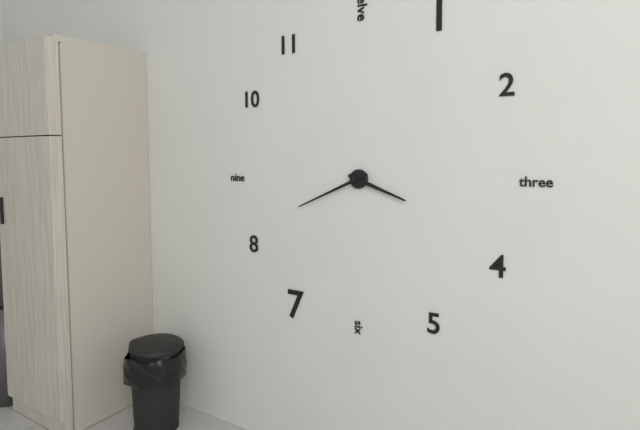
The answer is 3:41
